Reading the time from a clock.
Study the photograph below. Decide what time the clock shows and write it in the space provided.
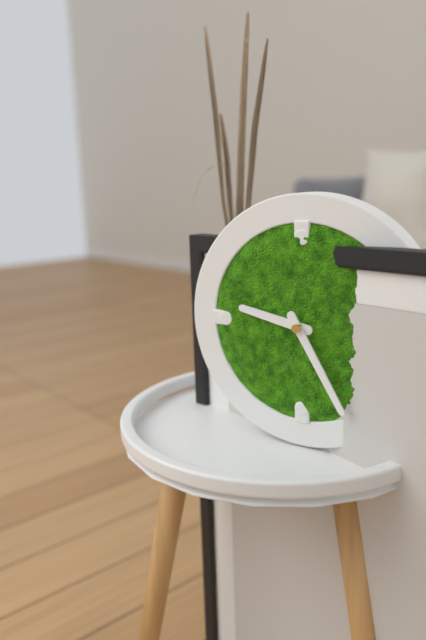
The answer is 9:25
